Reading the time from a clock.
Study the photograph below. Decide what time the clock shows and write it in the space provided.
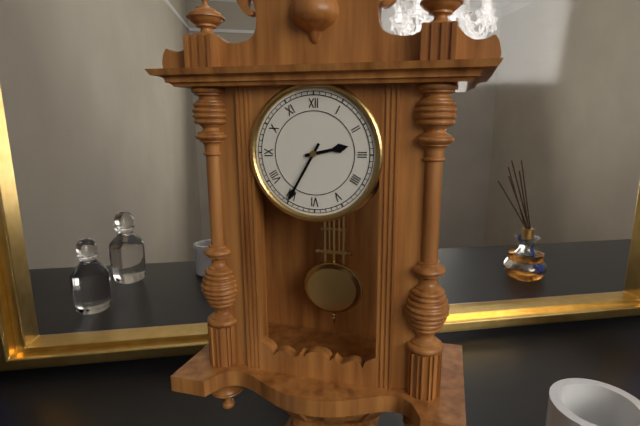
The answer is 2:35
